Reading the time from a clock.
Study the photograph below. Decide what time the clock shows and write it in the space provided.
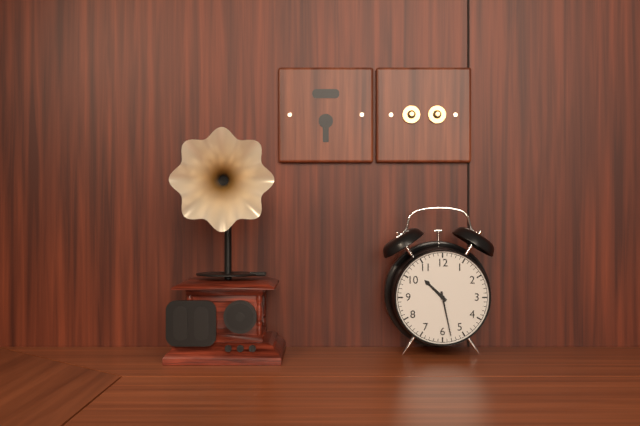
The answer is 10:28
